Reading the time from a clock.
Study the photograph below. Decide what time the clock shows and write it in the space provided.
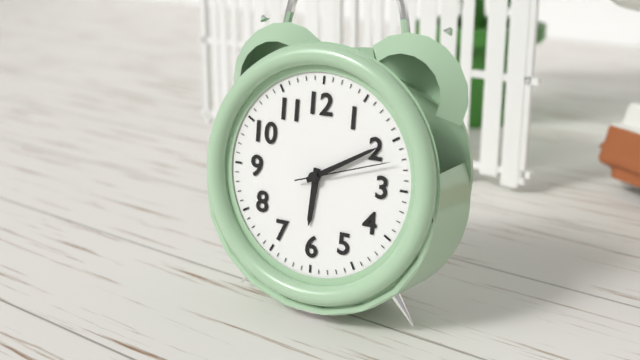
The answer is 6:10:12
